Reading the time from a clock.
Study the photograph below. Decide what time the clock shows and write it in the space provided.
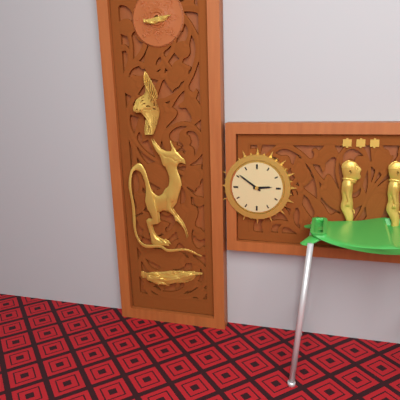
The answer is 2:51
